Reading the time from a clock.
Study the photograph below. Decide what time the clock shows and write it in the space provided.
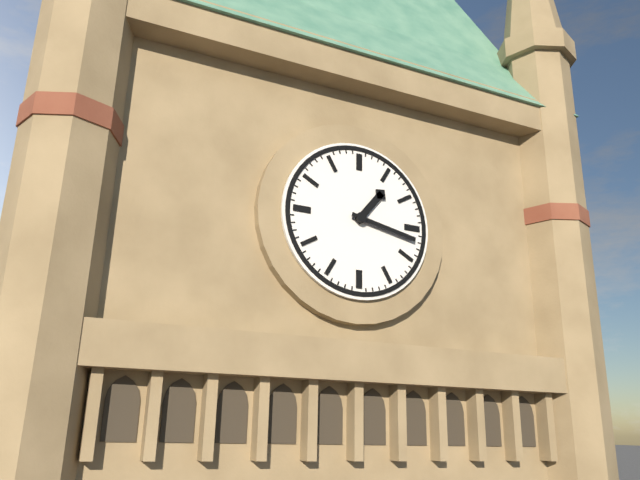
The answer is 1:17
